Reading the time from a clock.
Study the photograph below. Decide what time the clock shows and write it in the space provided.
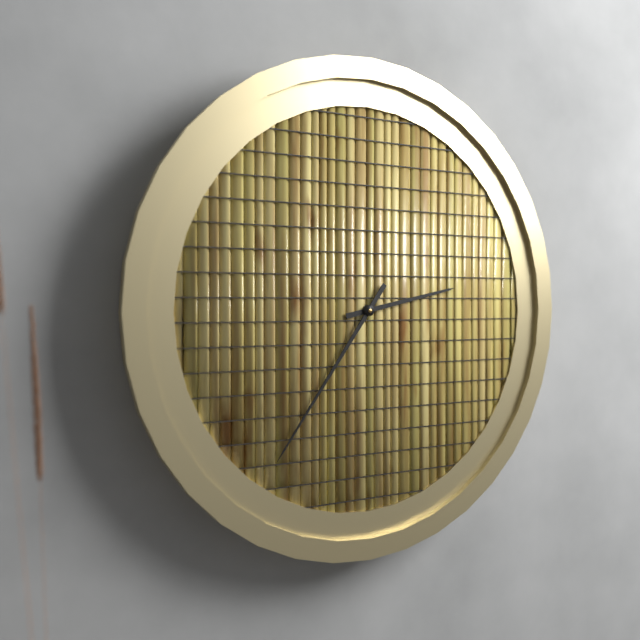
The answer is 2:36
